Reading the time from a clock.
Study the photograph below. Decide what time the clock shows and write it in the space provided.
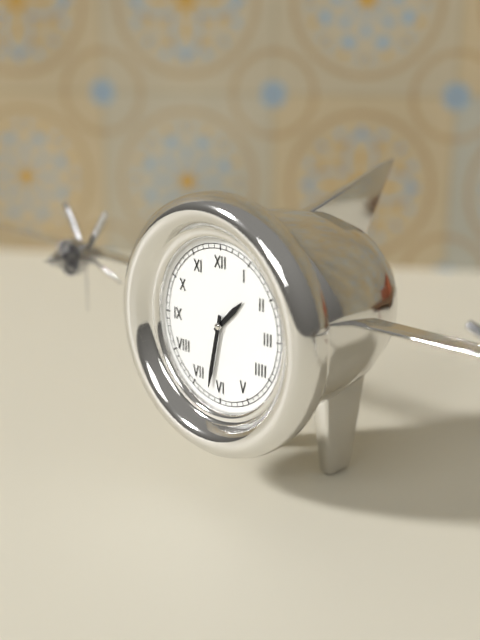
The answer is 1:32
